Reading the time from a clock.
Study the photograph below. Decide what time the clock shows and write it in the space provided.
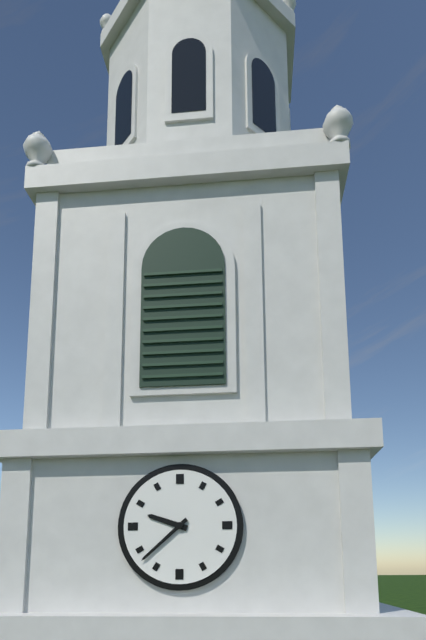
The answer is 9:38
